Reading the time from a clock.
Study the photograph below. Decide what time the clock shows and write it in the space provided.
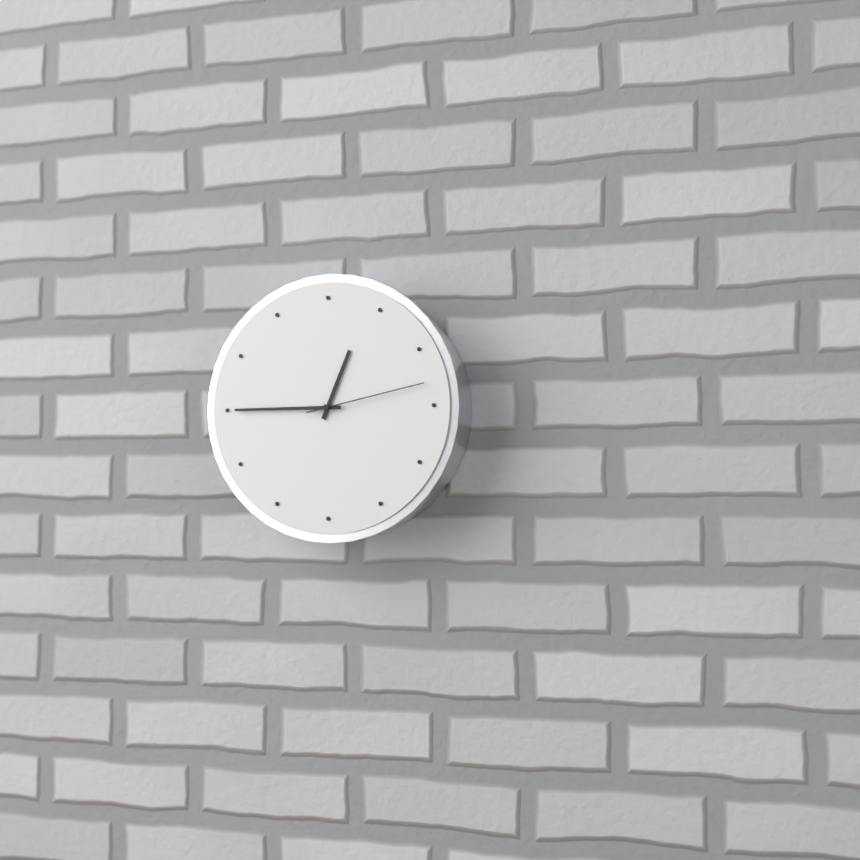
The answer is 12:45:13
